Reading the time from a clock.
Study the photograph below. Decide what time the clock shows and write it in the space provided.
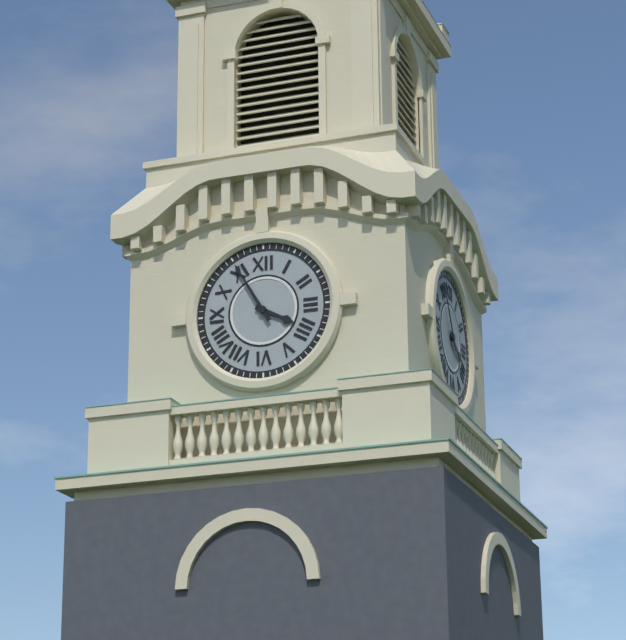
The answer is 3:55
